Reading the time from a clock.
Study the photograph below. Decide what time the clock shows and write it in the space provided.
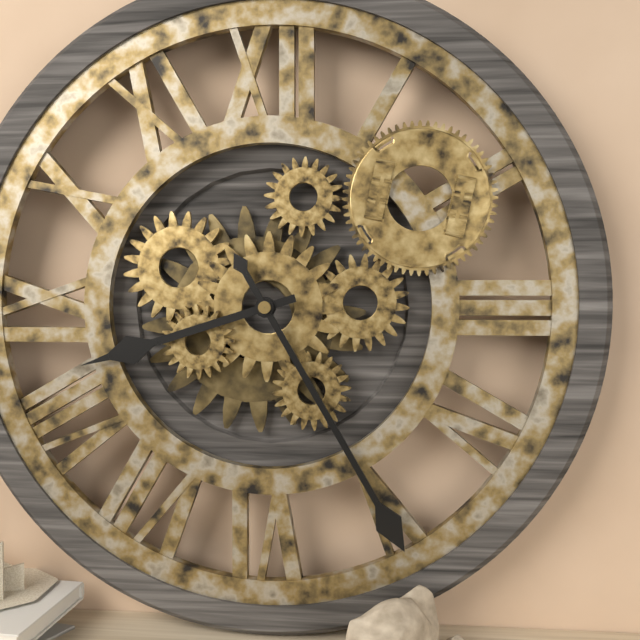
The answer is 8:25
